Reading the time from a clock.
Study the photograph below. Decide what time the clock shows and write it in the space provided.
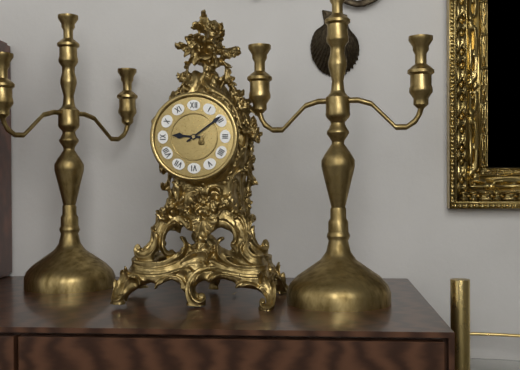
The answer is 9:09
